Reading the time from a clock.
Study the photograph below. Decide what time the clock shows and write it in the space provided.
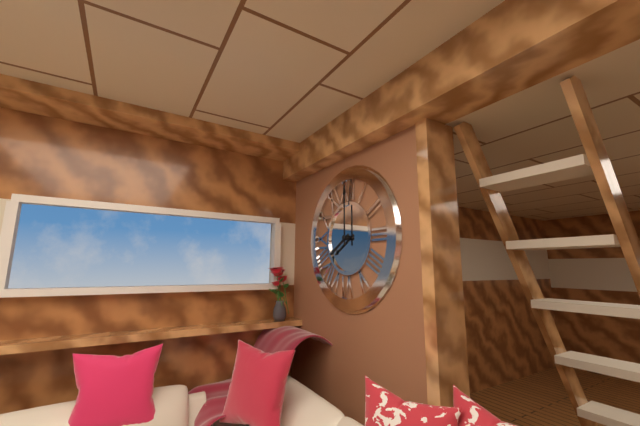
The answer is 8:00
